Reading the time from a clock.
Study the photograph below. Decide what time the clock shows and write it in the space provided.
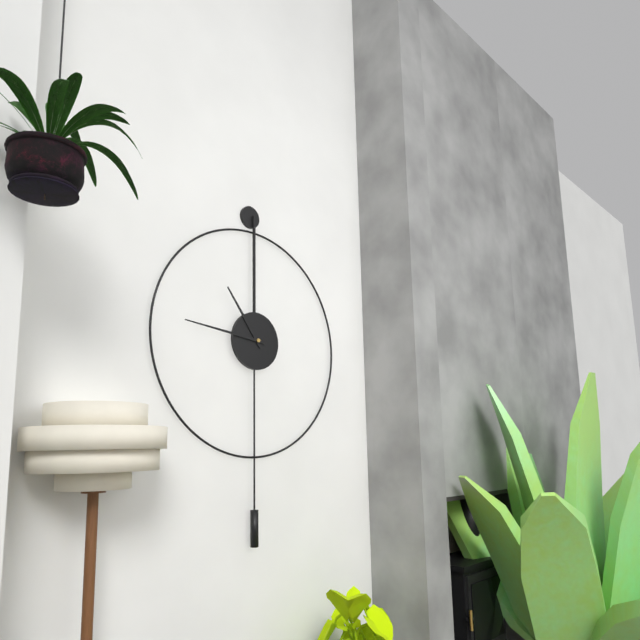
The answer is 10:46
